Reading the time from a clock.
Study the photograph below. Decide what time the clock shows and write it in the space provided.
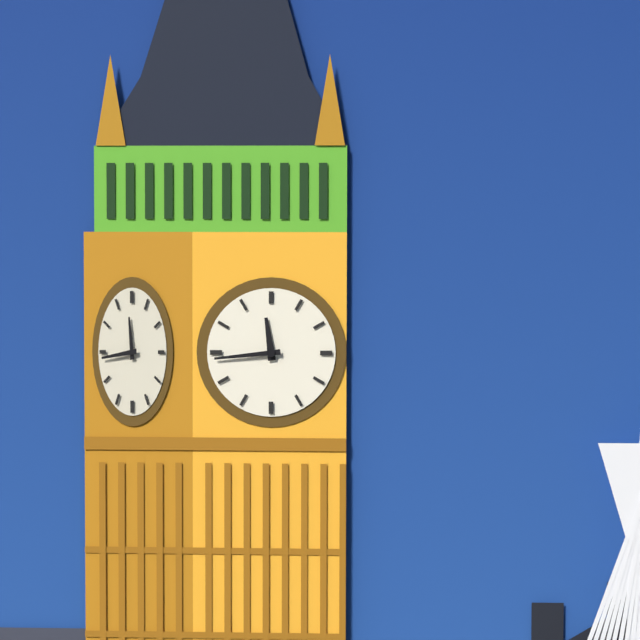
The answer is 11:44
